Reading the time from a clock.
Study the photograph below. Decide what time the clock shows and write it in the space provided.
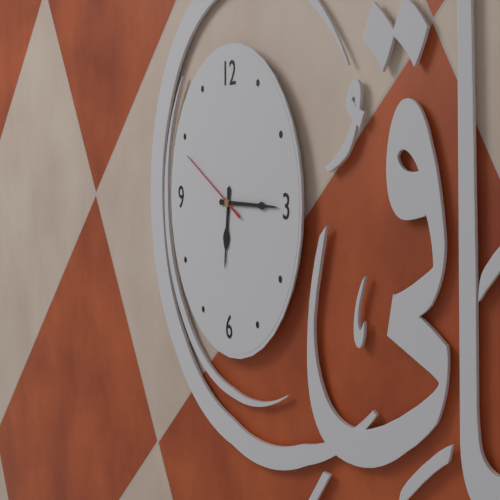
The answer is 6:15:49
